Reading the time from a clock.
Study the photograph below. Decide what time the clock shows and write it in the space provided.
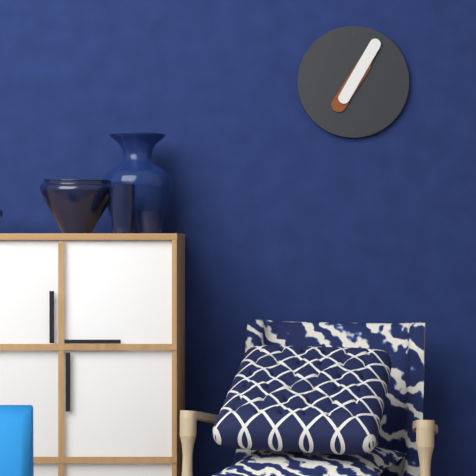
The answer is 7:05
